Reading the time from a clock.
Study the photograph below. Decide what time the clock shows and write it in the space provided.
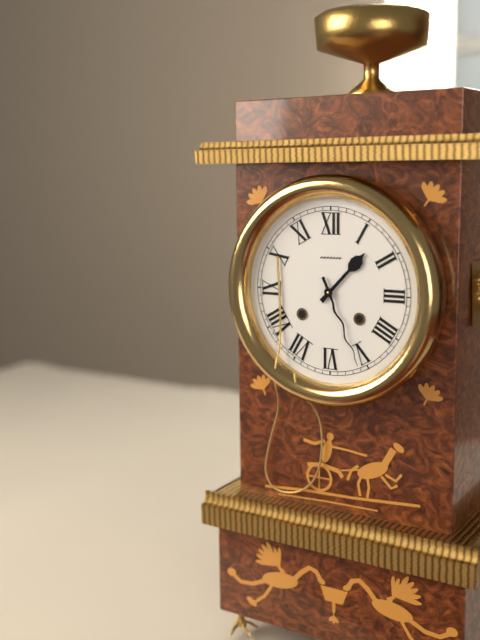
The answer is 1:26
